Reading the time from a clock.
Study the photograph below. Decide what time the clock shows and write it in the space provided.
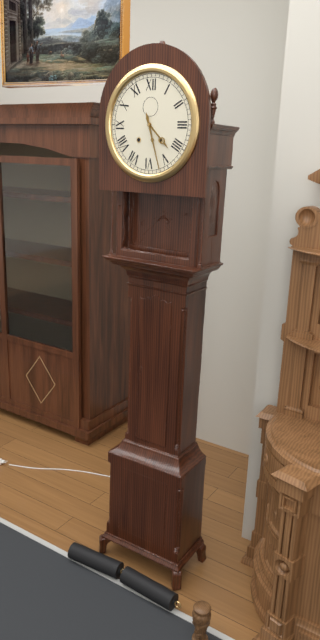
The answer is 4:27
